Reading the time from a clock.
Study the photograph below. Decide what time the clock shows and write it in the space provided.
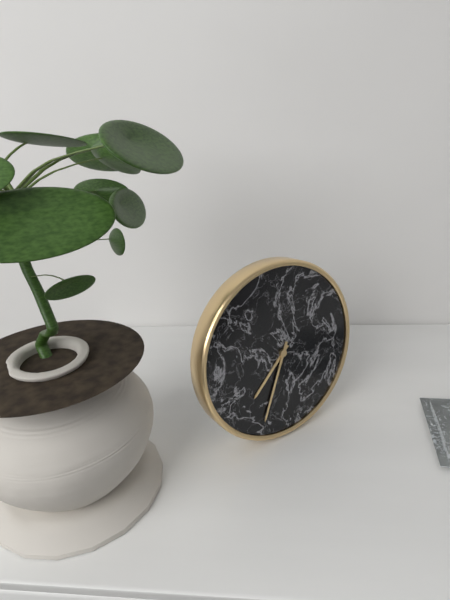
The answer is 7:34
